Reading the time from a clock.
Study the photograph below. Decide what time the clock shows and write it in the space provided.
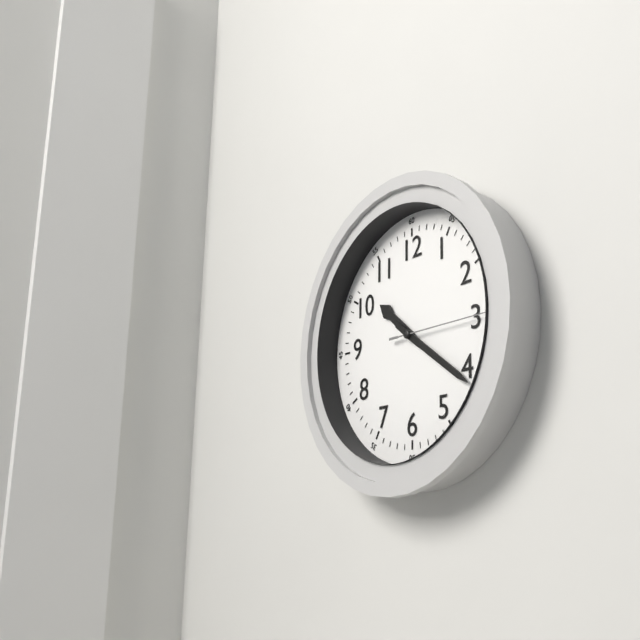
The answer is 10:21:15
